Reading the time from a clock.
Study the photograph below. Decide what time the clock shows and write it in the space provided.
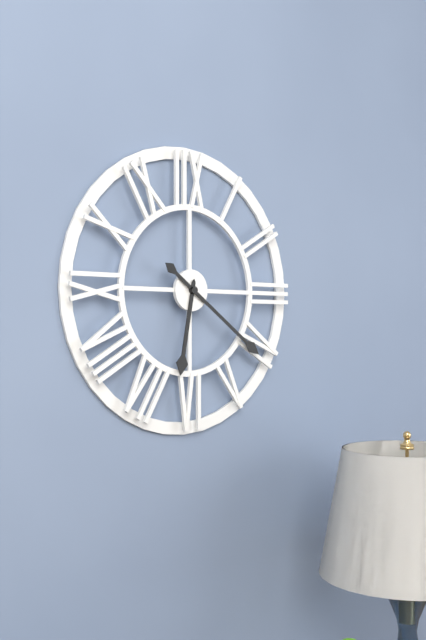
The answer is 6:21
